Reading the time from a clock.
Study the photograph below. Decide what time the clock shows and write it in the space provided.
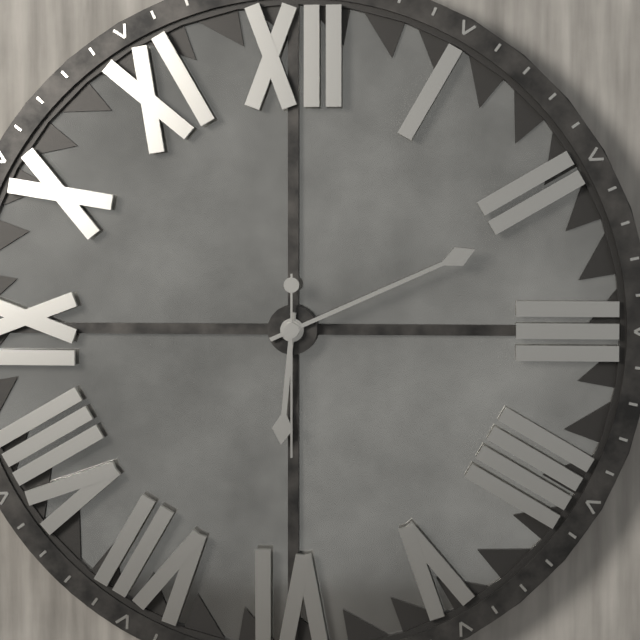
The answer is 6:11:30
